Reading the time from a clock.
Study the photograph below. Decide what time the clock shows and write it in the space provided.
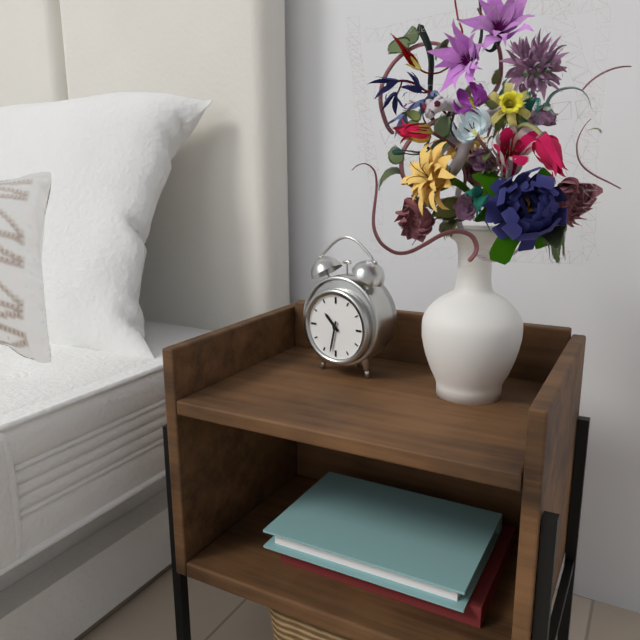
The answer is 10:32
